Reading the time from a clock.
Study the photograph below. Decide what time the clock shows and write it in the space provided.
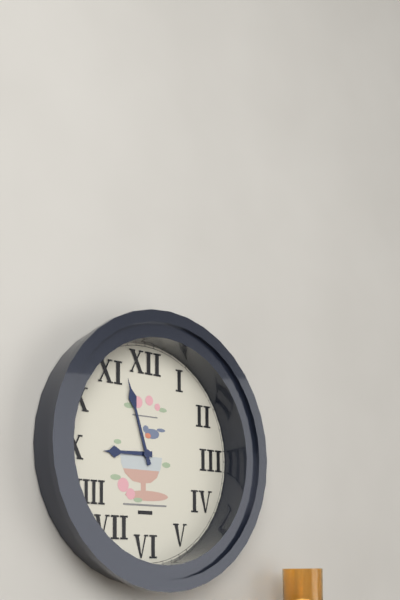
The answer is 8:57
